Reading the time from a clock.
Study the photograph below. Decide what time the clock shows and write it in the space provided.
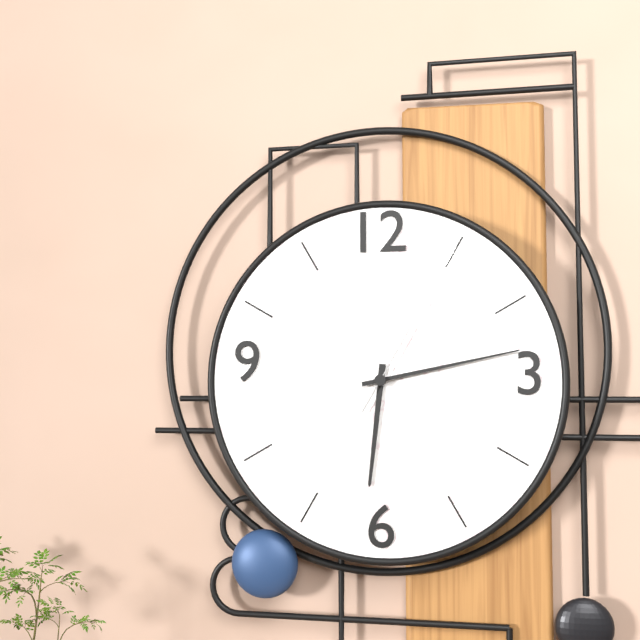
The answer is 6:13:05
